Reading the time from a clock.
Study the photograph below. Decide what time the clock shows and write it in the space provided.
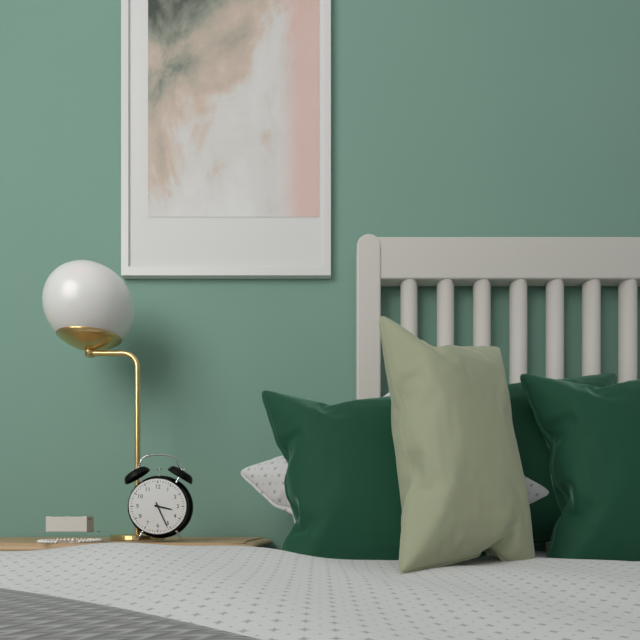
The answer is 3:26
